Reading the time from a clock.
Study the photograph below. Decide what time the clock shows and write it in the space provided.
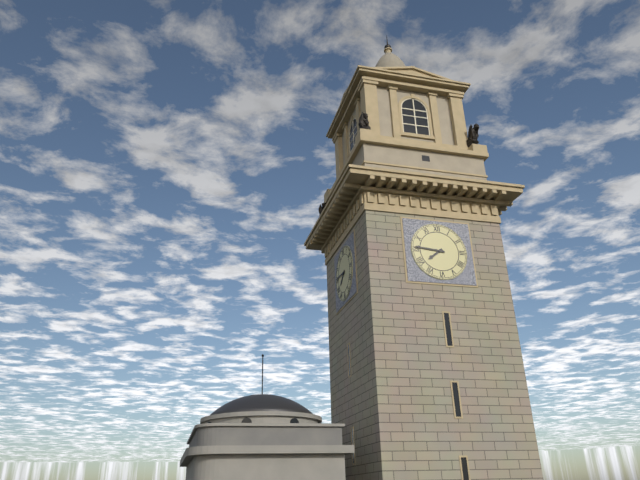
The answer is 7:46
